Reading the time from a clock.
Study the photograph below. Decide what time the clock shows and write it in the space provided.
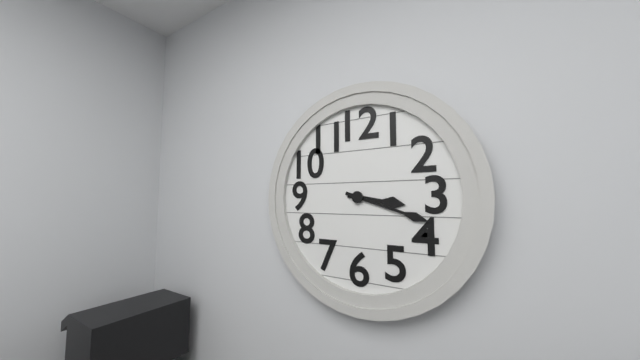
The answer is 3:18
